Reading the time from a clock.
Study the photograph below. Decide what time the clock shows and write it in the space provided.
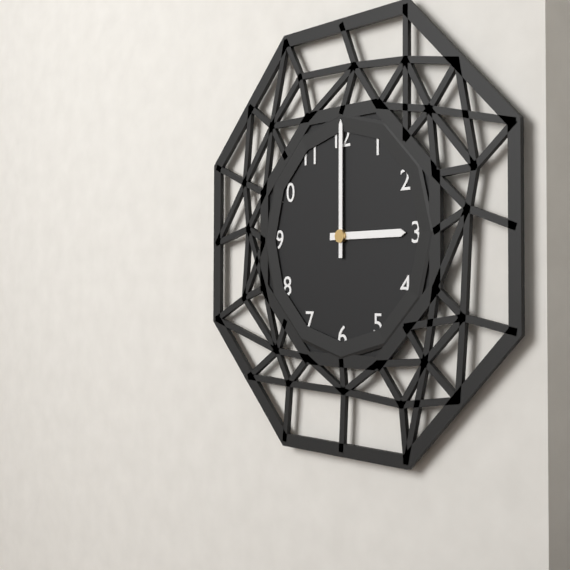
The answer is 3:00
